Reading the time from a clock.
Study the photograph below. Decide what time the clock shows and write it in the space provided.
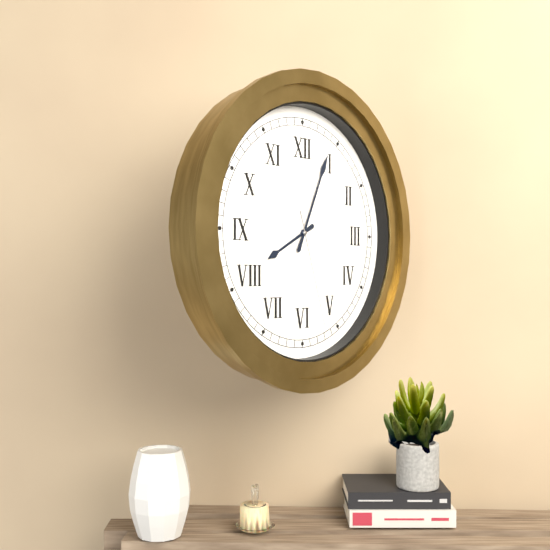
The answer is 8:04:27
